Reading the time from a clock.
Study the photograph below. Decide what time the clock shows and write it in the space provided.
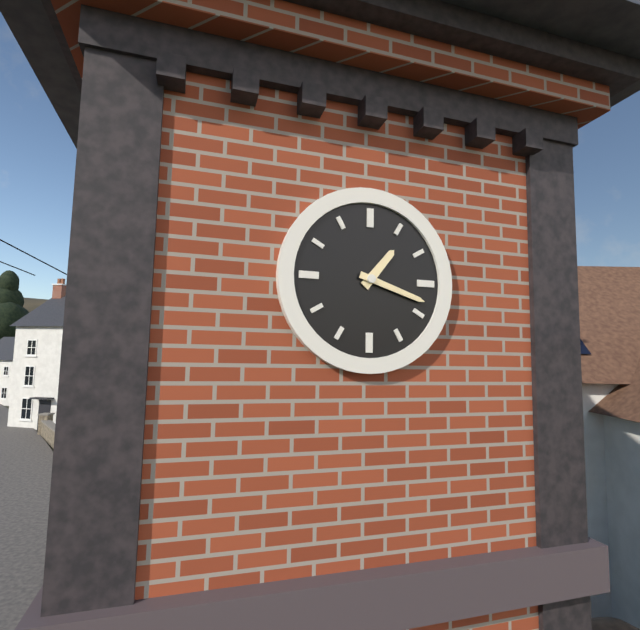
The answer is 1:18
